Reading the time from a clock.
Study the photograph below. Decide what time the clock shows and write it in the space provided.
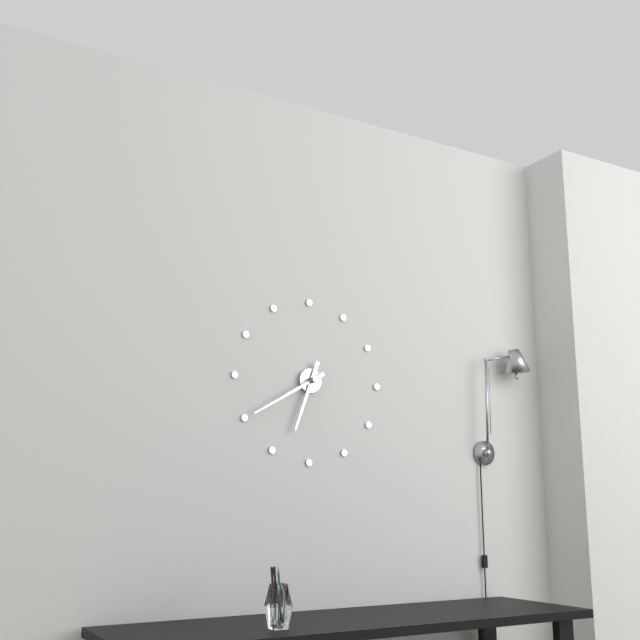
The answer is 6:40
